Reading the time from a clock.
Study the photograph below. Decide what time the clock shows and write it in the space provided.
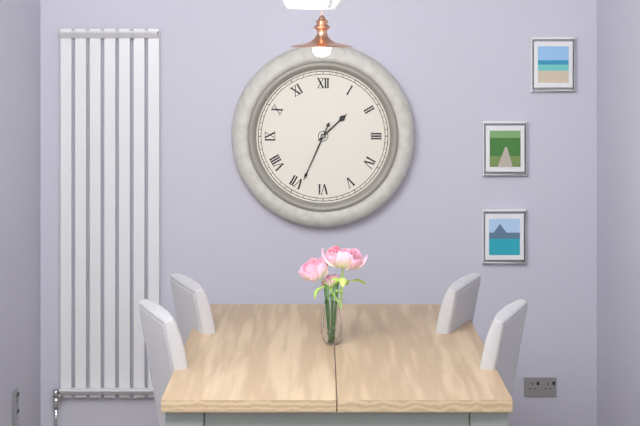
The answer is 1:34
